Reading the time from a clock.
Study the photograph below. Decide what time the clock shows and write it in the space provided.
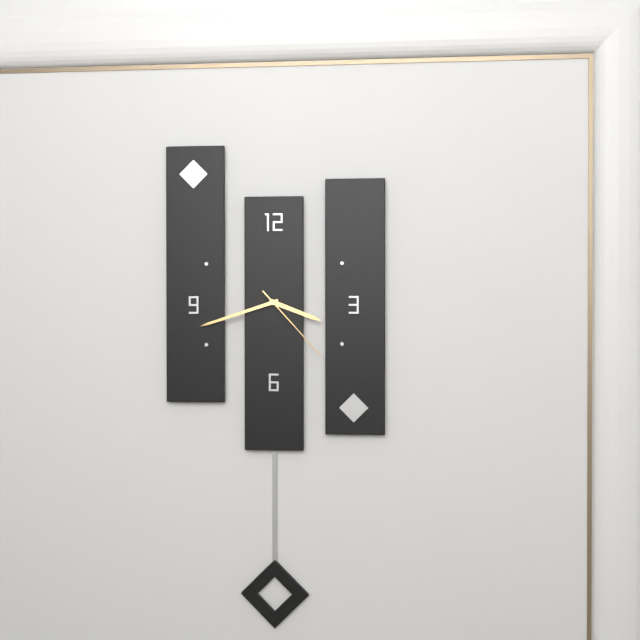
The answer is 3:42:23
